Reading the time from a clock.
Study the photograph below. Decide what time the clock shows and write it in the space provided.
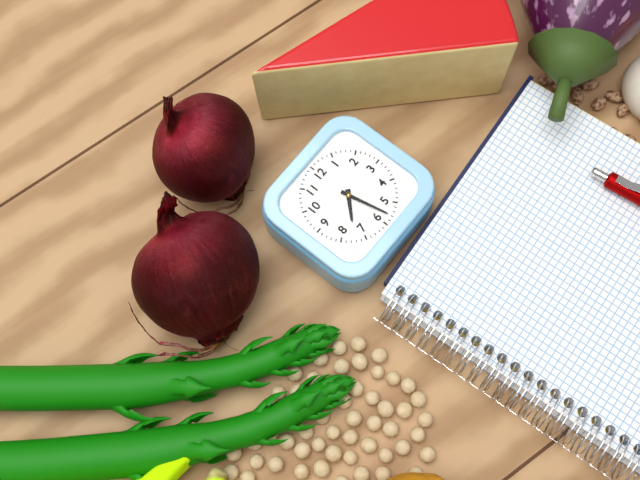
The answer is 7:28
